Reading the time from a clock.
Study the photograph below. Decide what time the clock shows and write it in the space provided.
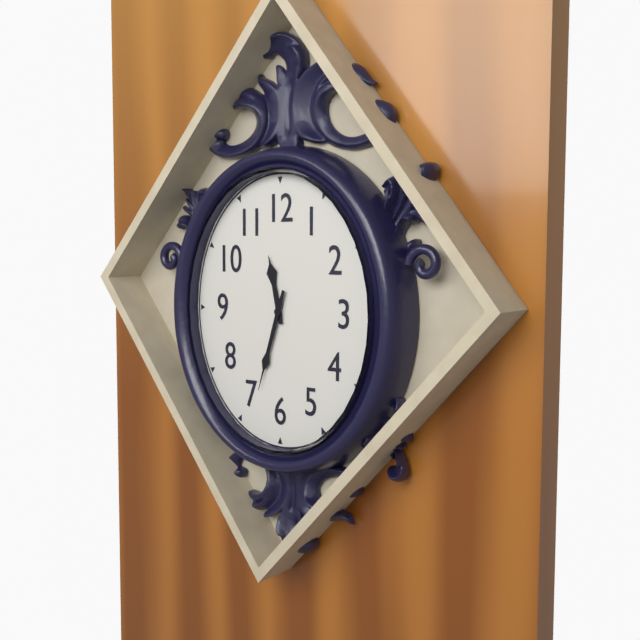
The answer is 11:33
